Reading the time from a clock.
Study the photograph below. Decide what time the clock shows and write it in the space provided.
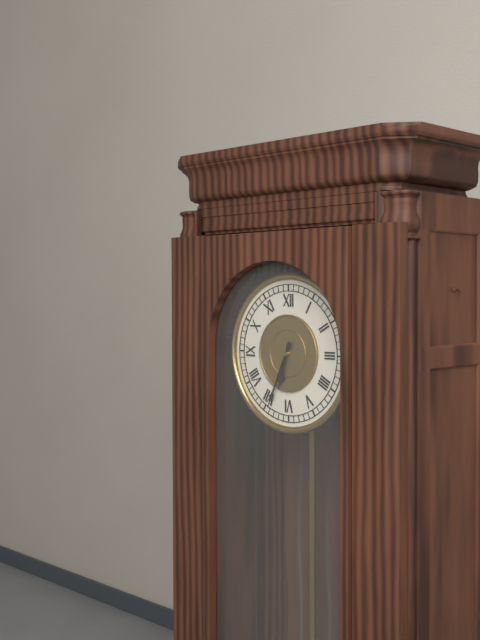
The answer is 6:34
